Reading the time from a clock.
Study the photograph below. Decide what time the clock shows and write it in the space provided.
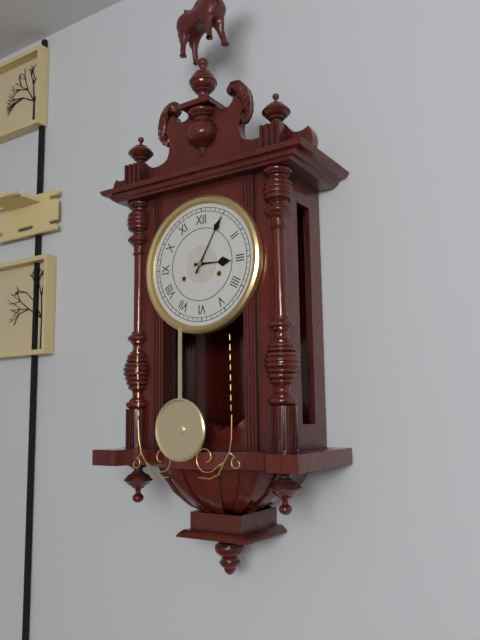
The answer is 3:05
